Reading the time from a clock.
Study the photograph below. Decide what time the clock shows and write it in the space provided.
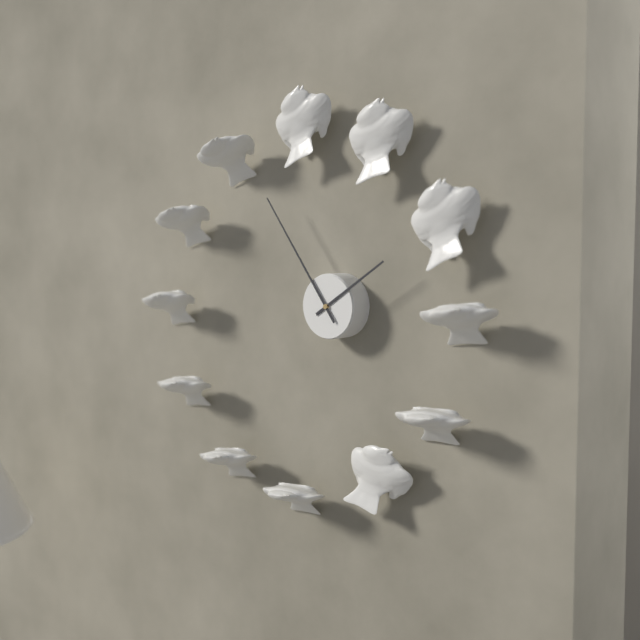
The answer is 1:54
